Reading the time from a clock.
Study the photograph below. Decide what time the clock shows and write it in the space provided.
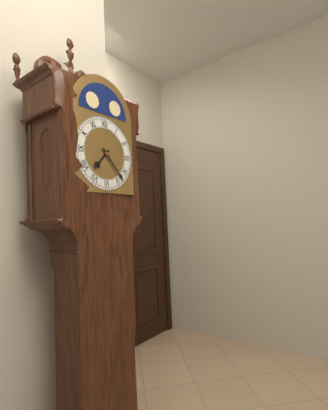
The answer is 7:23
